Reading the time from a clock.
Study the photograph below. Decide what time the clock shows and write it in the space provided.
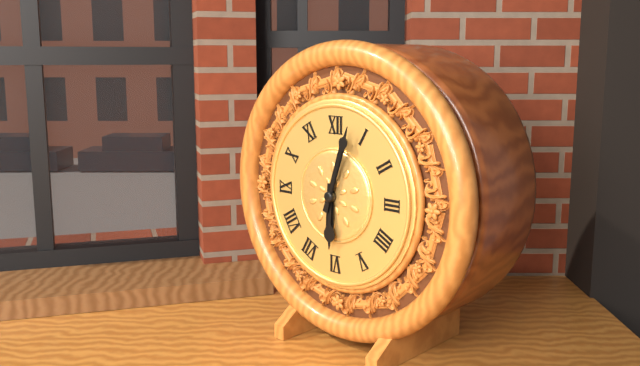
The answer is 6:03
